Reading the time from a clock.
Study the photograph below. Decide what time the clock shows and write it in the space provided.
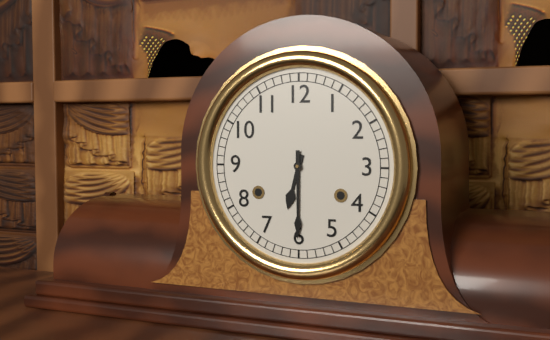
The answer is 6:30
